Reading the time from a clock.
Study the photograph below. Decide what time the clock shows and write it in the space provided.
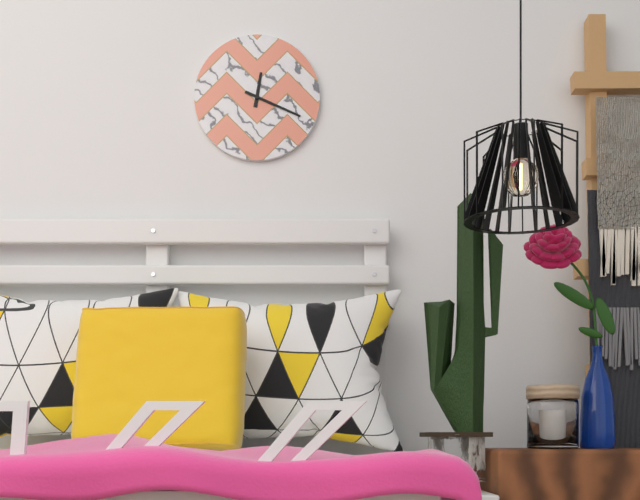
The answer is 12:19
